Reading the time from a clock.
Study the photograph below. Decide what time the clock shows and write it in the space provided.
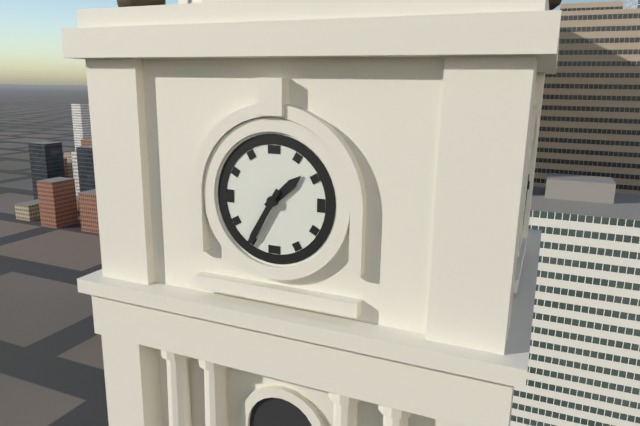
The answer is 1:35
